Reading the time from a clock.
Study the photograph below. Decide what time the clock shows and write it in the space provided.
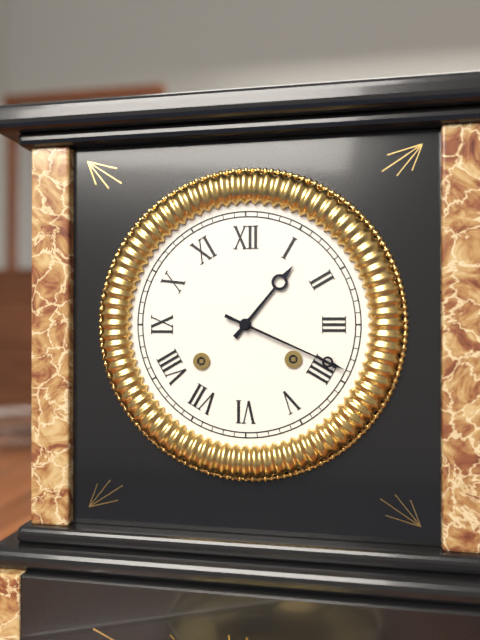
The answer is 1:19
